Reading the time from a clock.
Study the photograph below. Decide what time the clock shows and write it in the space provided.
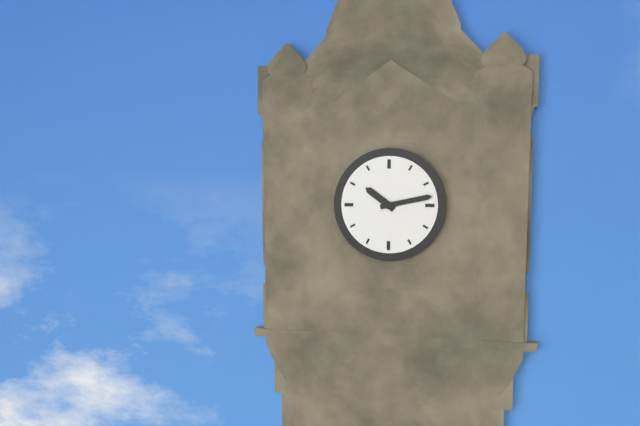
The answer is 10:13
